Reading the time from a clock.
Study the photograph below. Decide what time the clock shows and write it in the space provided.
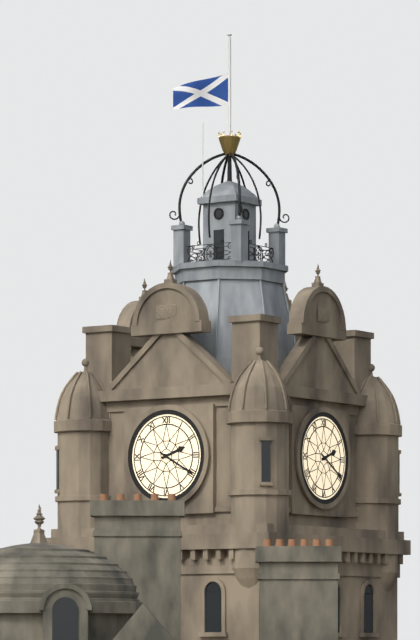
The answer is 2:20
